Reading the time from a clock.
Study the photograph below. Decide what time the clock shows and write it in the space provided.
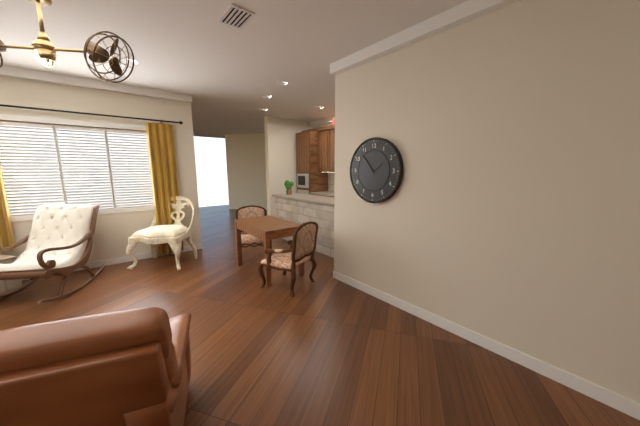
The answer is 1:53
